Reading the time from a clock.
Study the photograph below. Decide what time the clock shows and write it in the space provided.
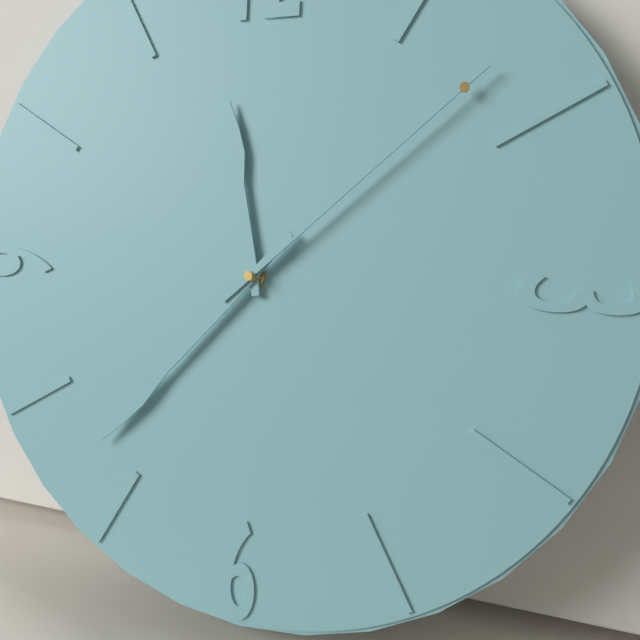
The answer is 11:37:08
